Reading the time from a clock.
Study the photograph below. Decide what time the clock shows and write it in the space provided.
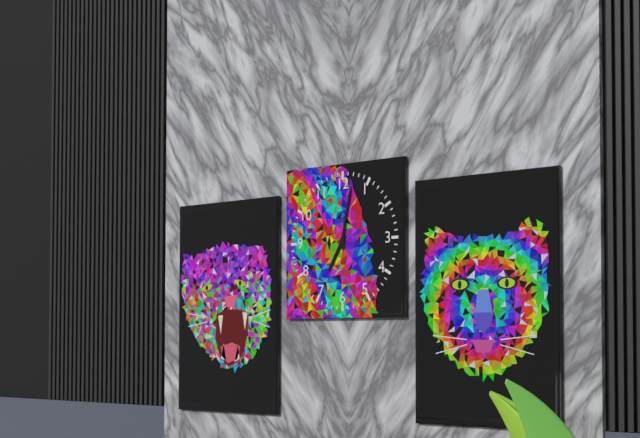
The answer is 7:02
